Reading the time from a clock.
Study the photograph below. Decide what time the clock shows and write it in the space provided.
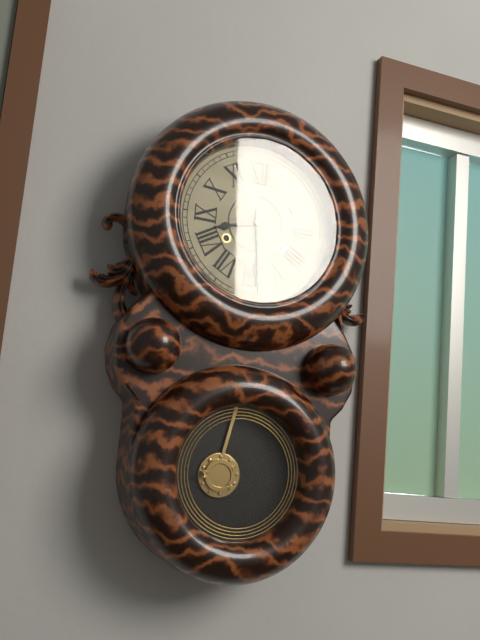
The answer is 8:29
